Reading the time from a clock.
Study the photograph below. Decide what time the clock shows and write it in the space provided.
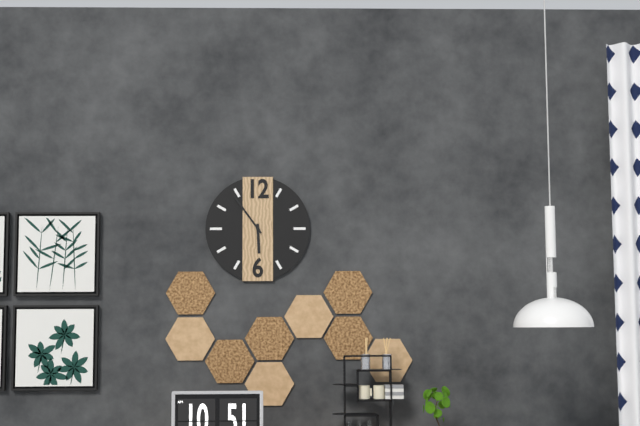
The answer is 5:54
